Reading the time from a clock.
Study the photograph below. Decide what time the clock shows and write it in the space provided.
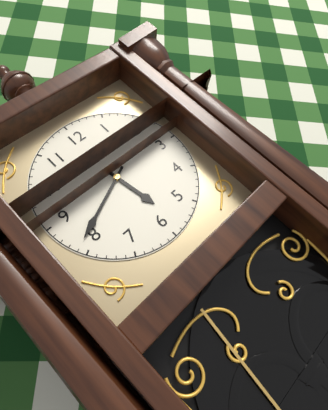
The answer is 5:41
